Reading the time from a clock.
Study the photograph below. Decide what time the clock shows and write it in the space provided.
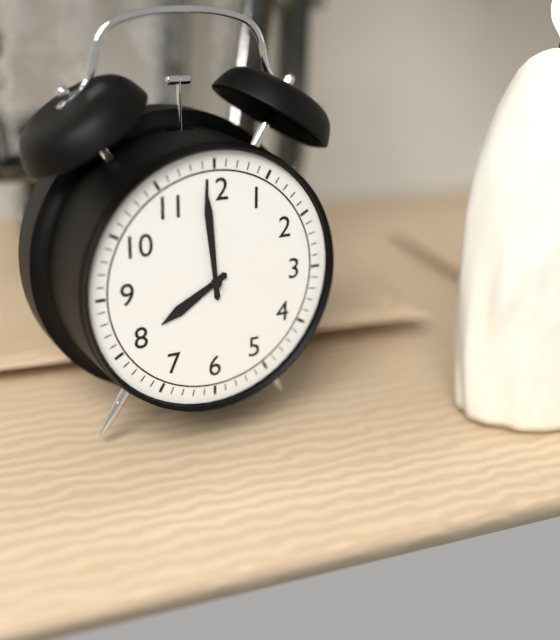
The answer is 7:59
